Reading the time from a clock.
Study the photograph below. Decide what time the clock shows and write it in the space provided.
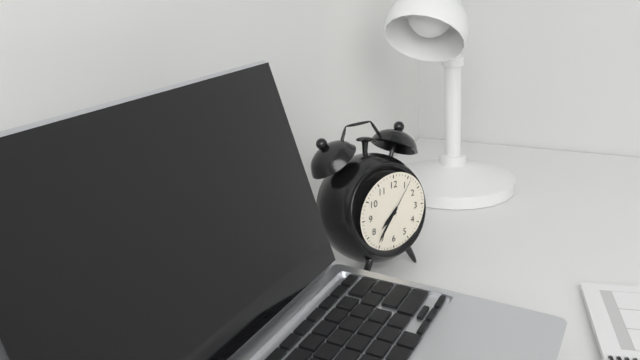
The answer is 7:36
